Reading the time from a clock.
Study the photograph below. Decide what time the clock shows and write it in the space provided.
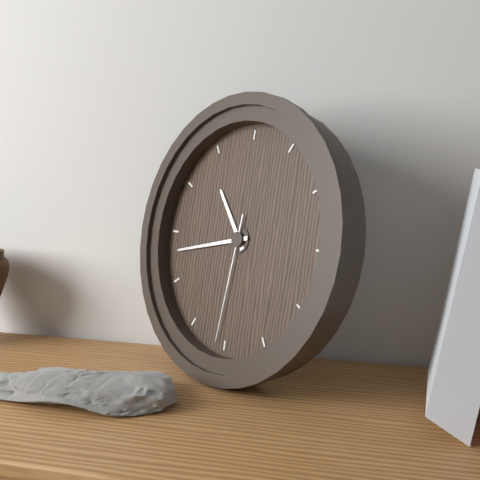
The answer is 10:43:31
